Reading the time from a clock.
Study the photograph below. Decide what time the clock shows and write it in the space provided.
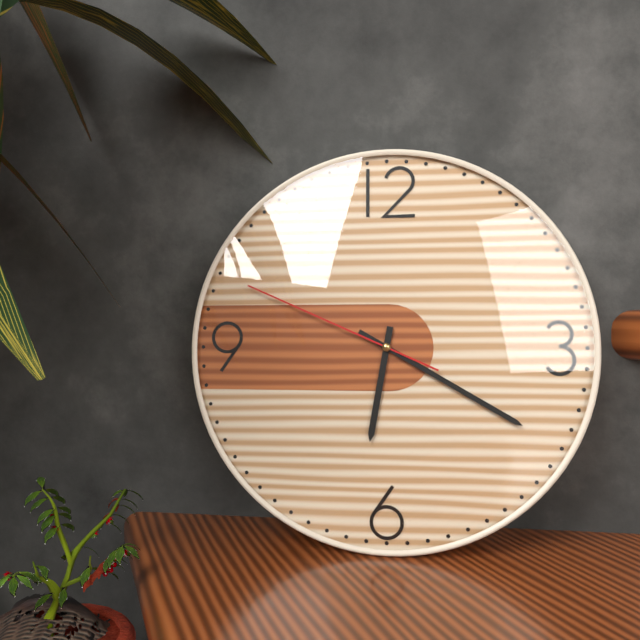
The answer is 6:20:49
